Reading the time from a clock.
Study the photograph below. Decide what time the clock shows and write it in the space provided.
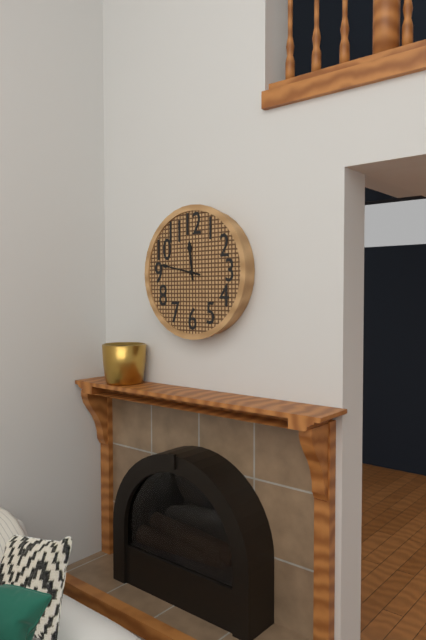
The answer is 11:47
